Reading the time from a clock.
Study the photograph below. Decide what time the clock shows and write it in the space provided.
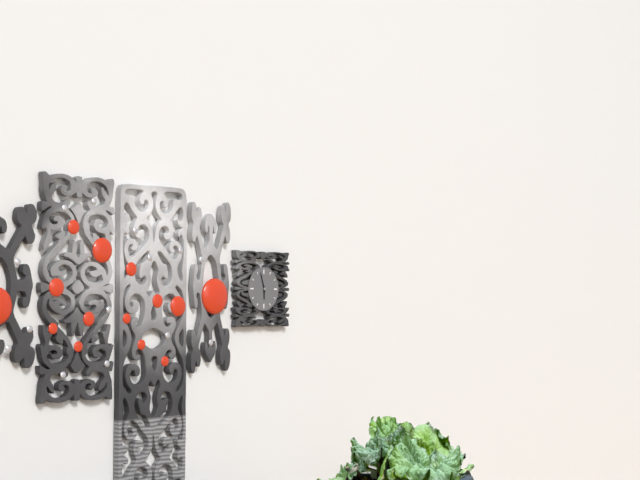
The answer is 5:57
